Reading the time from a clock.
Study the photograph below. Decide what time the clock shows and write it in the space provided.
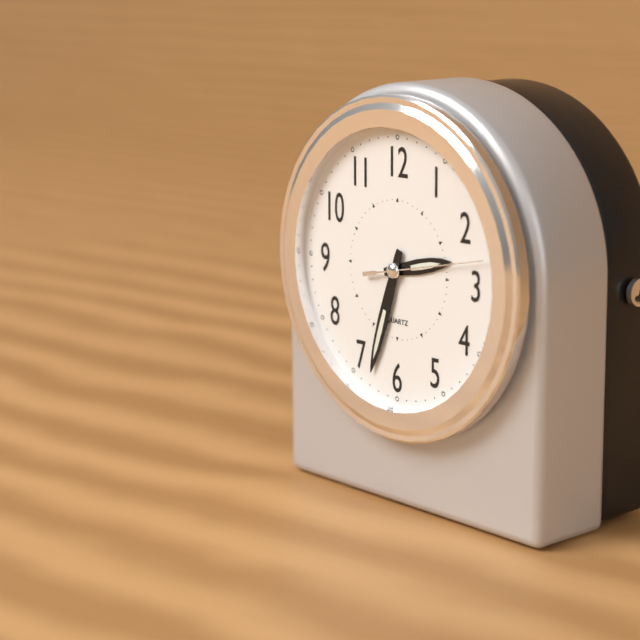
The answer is 2:33:13
